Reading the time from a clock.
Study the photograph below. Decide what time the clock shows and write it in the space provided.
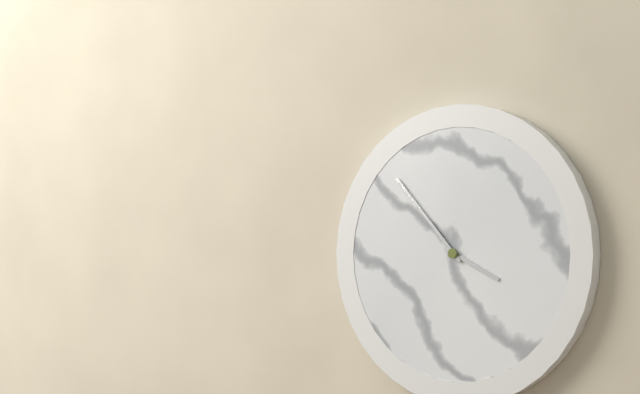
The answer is 3:53
